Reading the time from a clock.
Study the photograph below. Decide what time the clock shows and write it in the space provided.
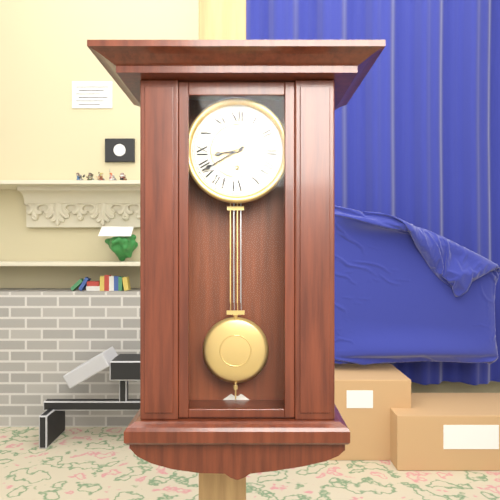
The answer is 8:40
